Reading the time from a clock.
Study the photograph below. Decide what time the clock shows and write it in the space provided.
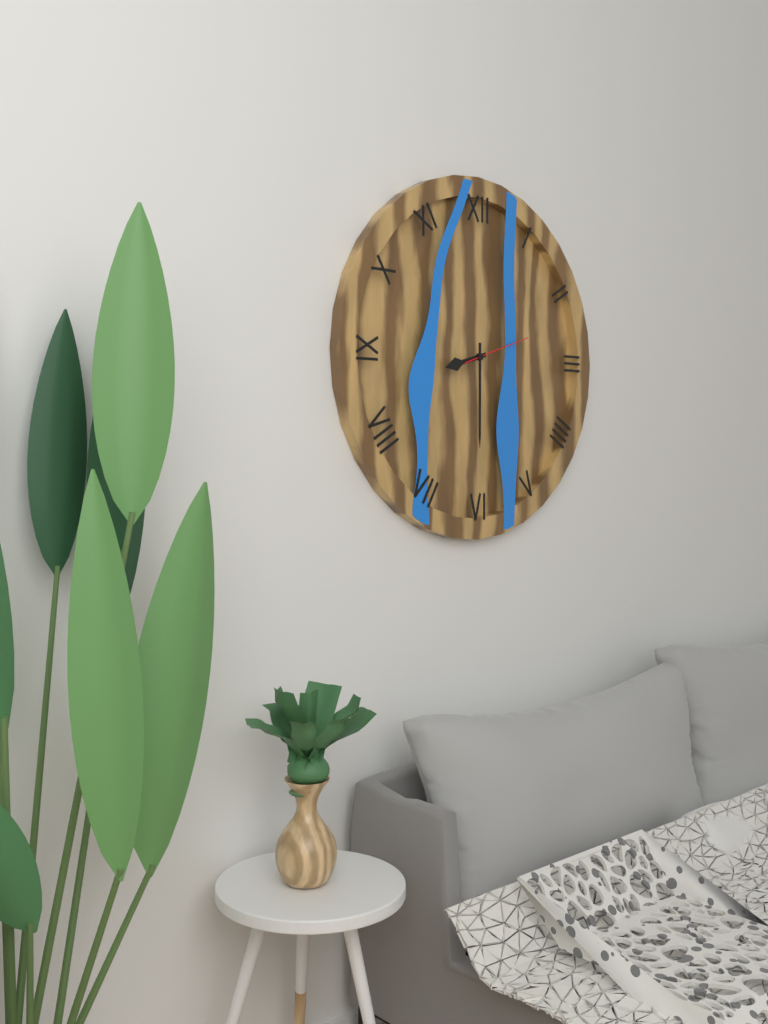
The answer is 8:30:12
